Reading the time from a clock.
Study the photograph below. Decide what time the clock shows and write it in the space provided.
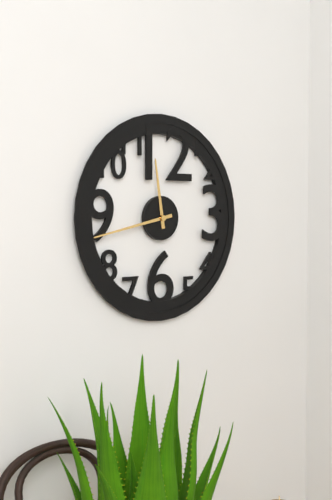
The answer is 11:43
